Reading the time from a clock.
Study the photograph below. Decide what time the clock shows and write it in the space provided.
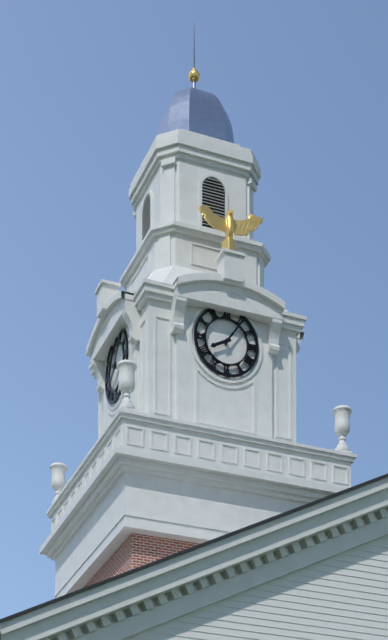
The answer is 8:06
